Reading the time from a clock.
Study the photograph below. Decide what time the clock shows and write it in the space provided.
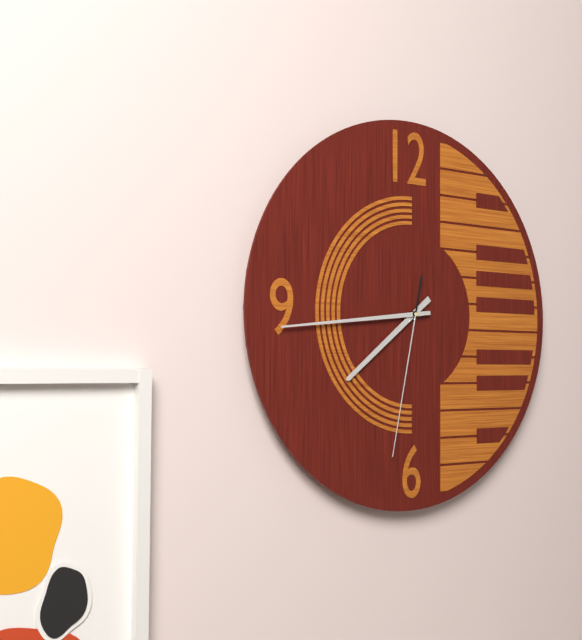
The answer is 7:44:32
